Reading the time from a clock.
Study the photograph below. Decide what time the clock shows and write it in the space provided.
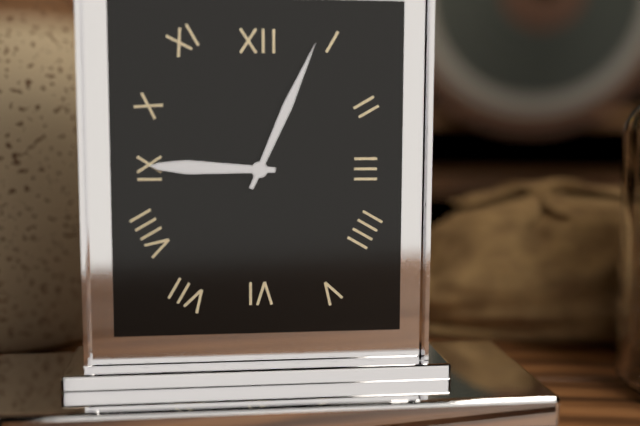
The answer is 9:04
